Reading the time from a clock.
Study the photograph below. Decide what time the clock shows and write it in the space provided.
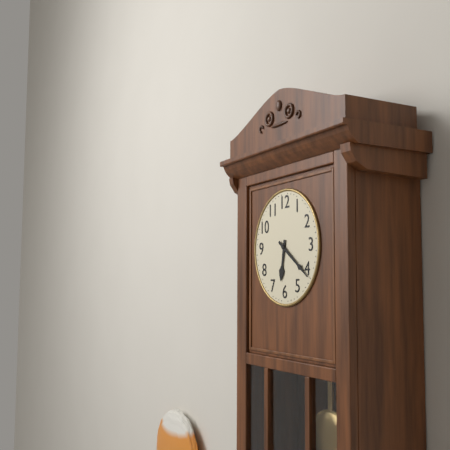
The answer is 6:21
